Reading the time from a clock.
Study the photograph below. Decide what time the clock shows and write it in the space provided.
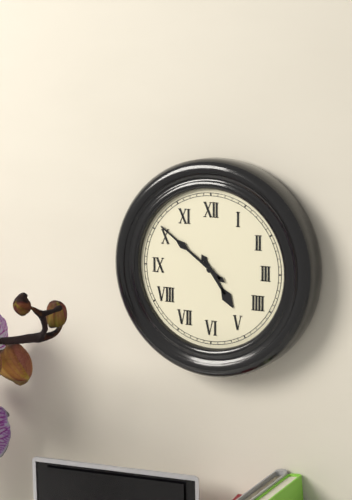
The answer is 4:51
